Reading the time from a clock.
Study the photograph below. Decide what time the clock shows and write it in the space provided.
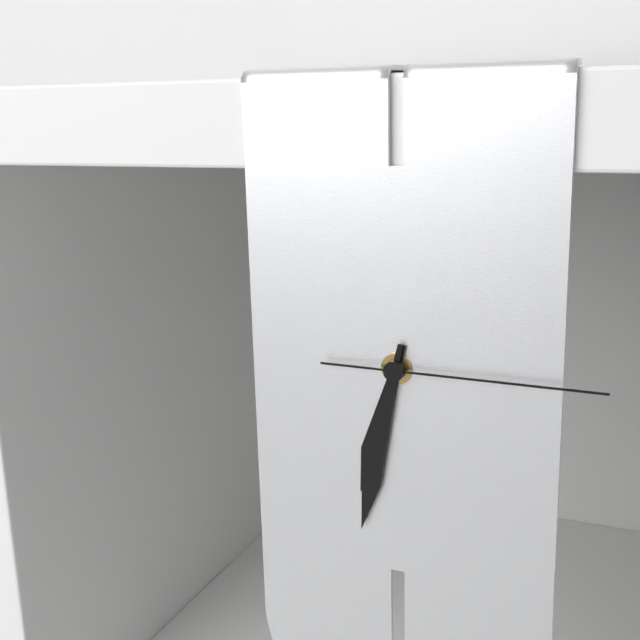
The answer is 6:32:15
